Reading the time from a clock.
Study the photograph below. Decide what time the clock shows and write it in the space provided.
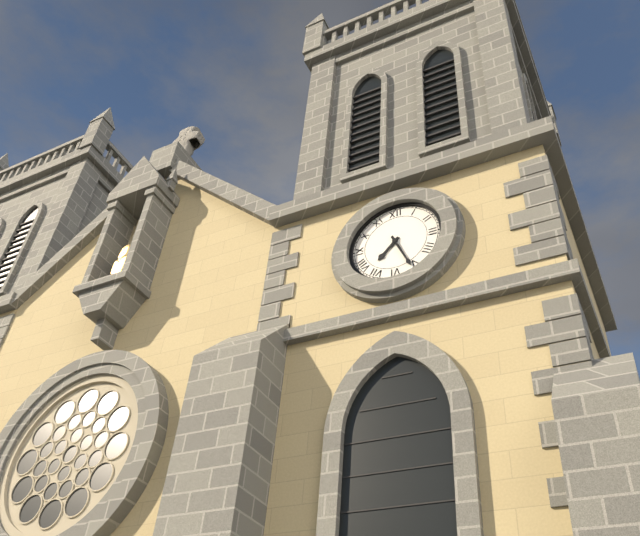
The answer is 7:26
